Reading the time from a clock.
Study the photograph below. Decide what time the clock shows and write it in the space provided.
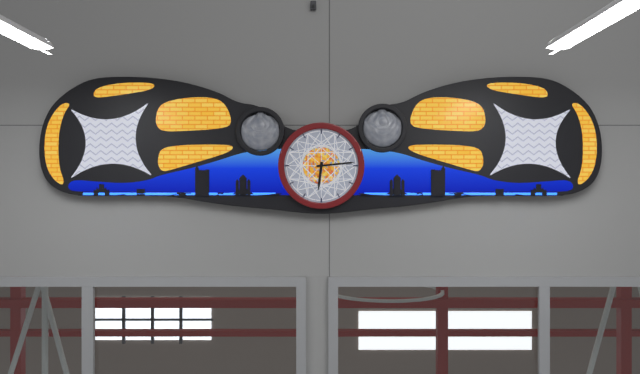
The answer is 6:14
